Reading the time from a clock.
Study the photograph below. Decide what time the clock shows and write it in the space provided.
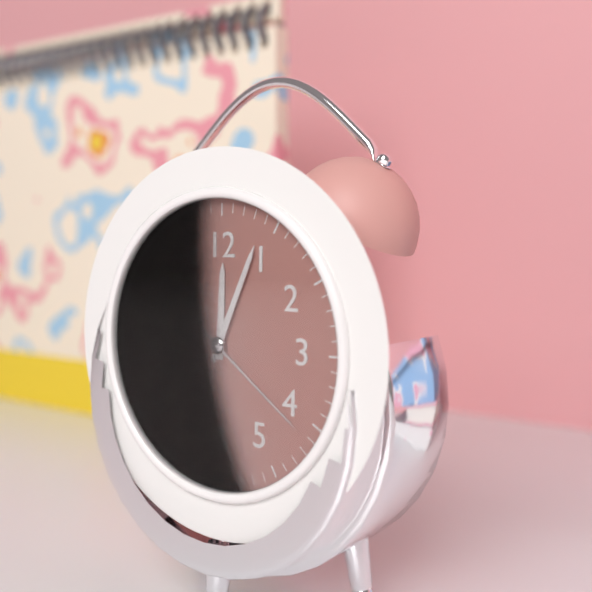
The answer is 12:04:21
